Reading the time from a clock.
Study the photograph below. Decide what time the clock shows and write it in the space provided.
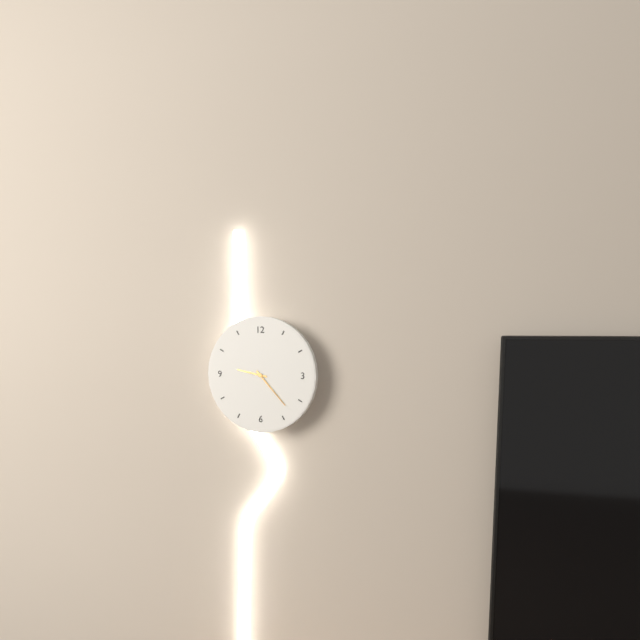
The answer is 9:23
